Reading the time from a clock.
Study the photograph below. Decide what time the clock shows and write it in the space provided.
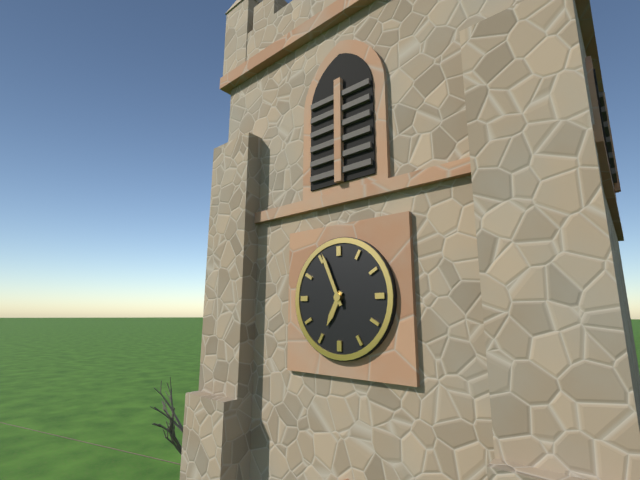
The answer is 6:56
